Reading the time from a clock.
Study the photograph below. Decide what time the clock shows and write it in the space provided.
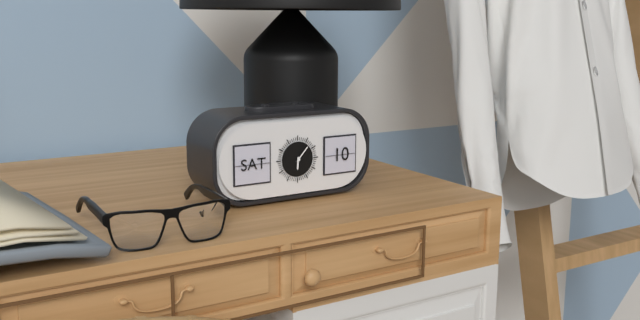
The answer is 6:07
